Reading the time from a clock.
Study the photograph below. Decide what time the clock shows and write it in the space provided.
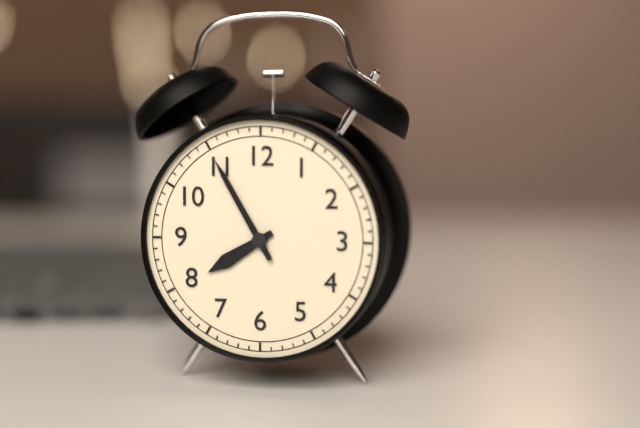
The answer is 7:55
